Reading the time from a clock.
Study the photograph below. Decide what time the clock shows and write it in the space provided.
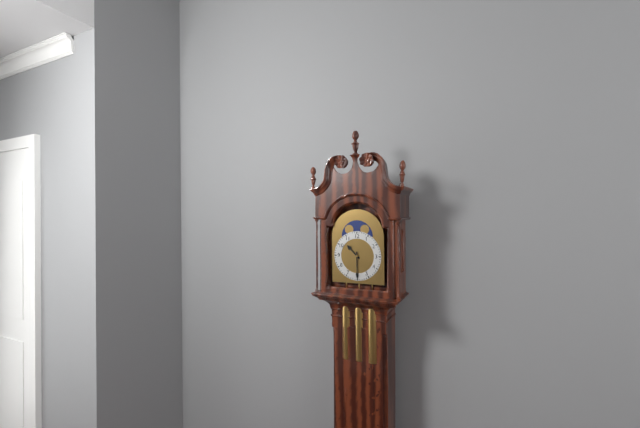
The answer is 10:30
